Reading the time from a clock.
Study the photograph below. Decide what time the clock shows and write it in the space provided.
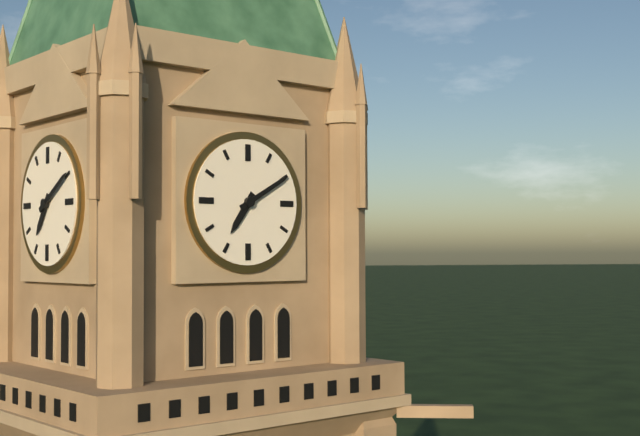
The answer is 7:10
